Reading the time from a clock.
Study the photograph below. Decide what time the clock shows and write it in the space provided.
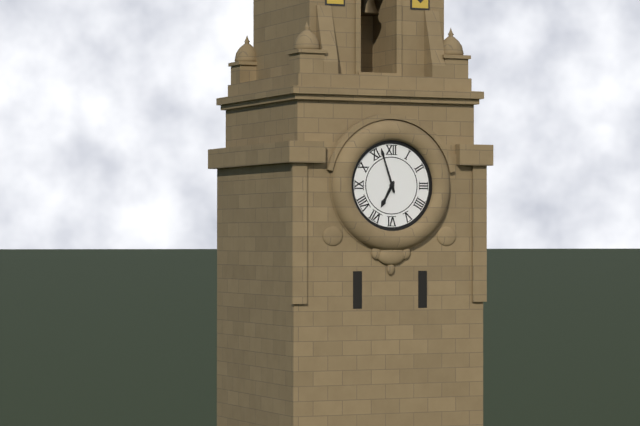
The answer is 6:57
